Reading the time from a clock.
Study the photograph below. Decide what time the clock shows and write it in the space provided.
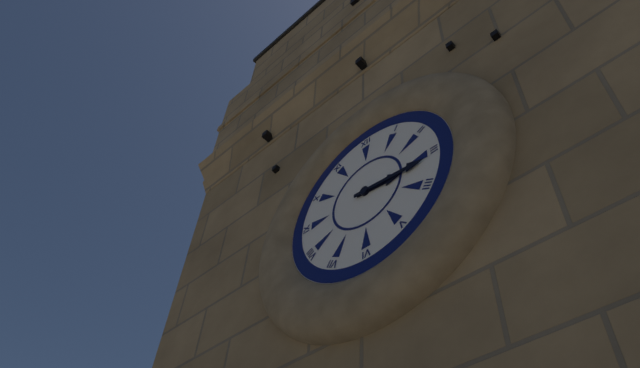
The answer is 3:16
